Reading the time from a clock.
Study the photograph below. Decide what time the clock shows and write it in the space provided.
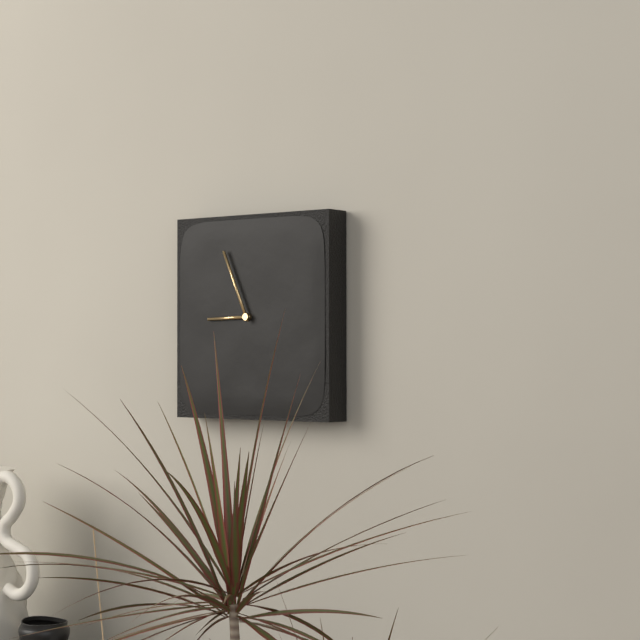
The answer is 8:56
